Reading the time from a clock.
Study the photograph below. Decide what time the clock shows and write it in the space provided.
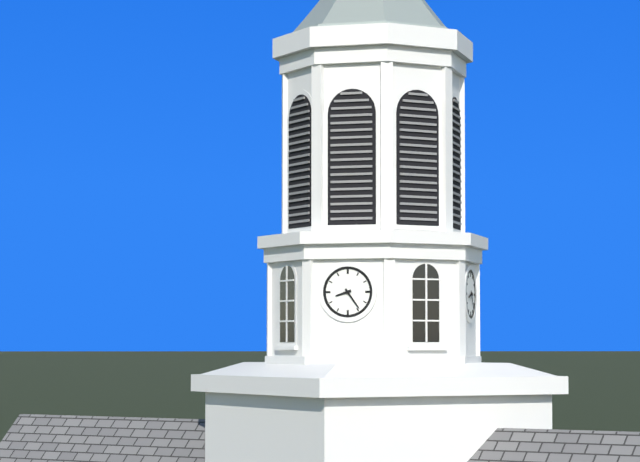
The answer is 8:24
